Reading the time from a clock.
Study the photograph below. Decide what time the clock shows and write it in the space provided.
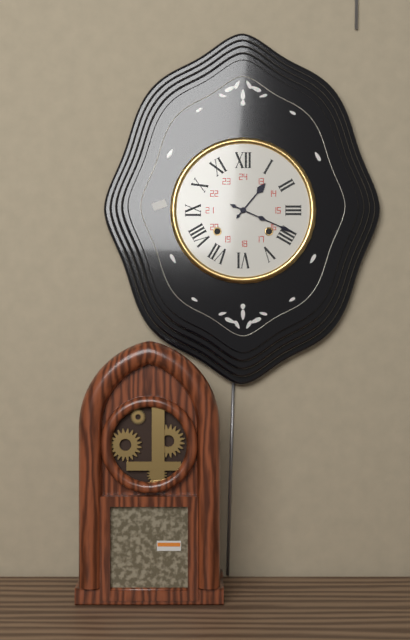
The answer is 1:19
